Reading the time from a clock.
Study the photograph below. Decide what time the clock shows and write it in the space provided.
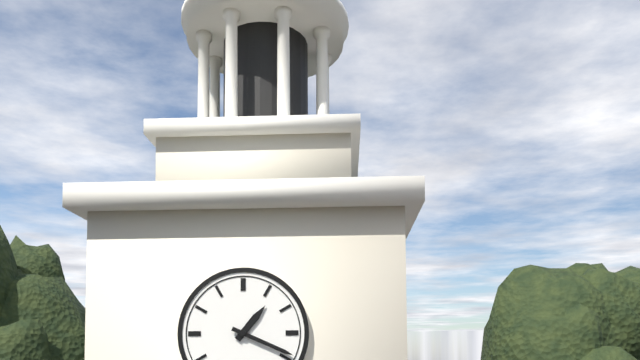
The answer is 1:19
